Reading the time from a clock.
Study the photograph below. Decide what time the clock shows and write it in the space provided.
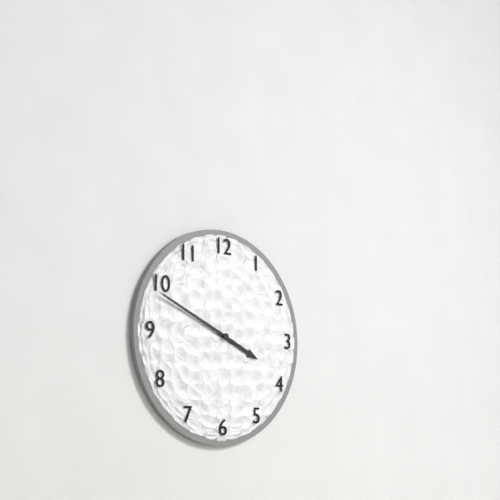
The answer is 3:49
